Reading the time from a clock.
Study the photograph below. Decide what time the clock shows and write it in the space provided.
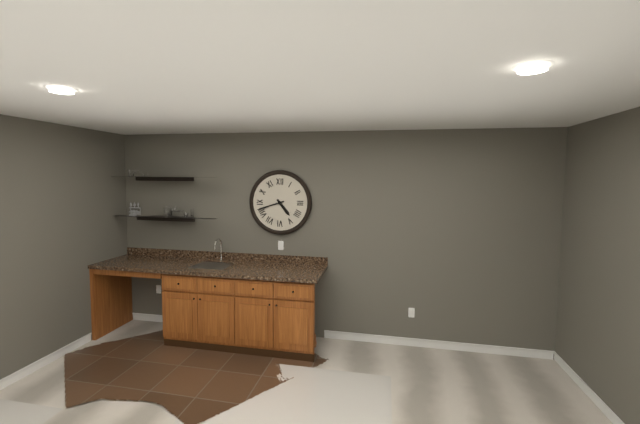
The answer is 4:42
